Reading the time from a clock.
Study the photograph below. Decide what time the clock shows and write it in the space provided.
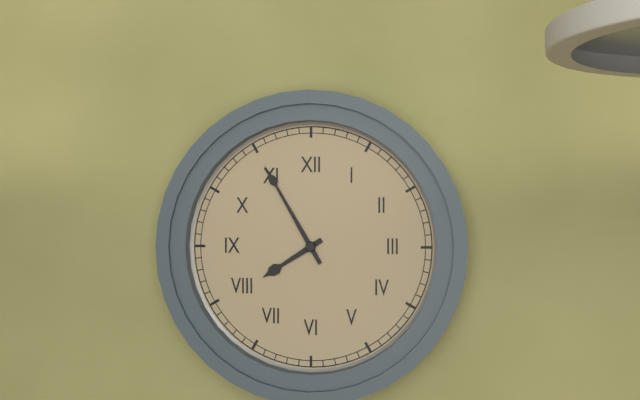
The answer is 7:55
